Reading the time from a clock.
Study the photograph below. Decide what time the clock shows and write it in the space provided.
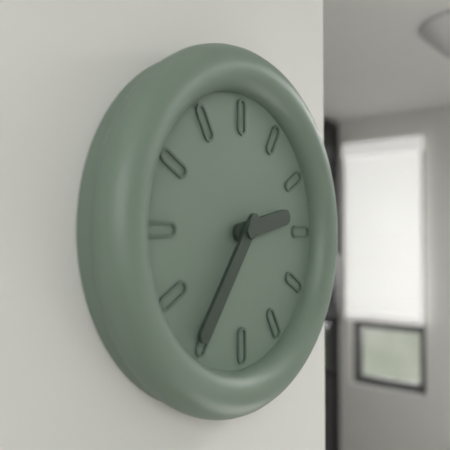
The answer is 2:36
